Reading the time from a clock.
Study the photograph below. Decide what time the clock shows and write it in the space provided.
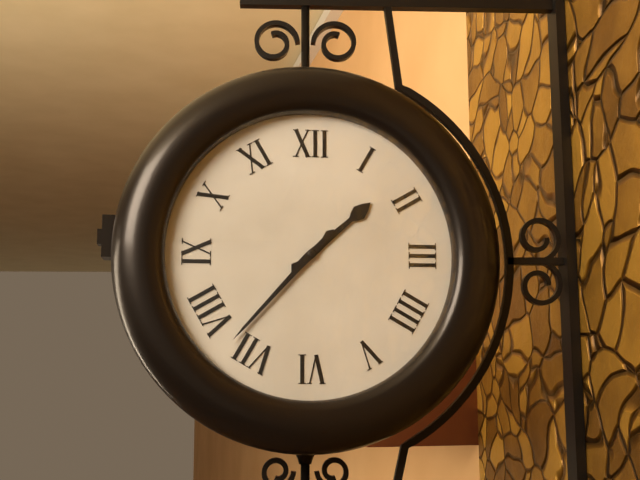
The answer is 1:37
